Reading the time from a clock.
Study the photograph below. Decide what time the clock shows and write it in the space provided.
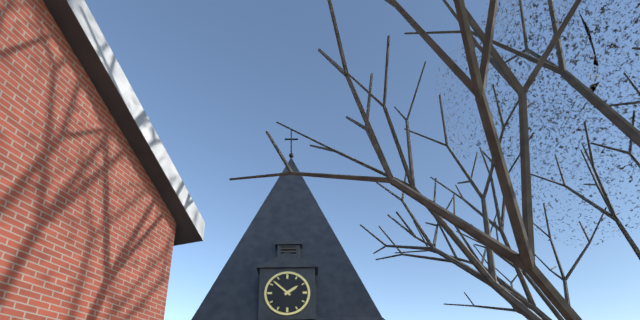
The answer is 1:52
